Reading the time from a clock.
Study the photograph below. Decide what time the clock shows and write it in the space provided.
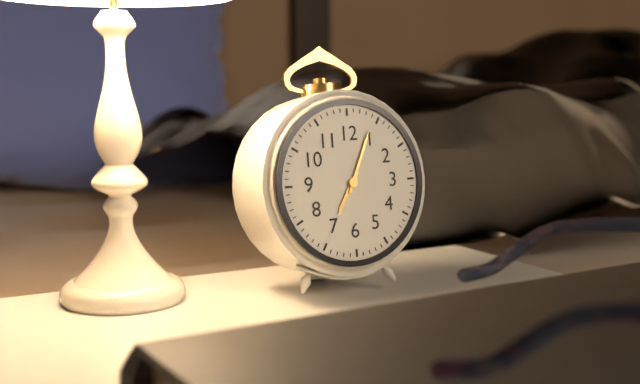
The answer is 7:04
